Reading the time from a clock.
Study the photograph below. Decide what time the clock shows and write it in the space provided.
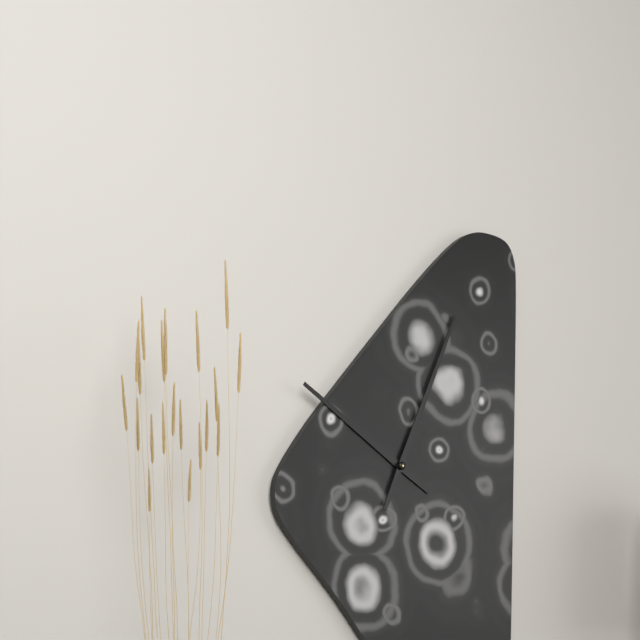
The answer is 10:04
